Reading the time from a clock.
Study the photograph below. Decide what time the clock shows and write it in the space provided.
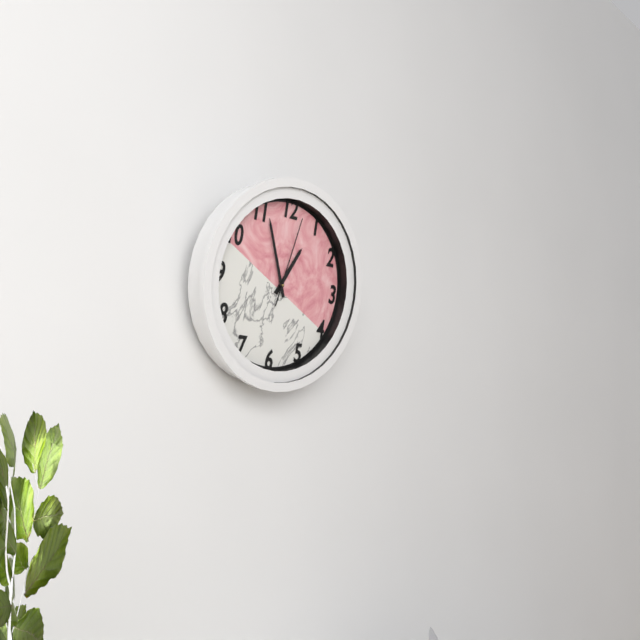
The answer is 12:56:02
